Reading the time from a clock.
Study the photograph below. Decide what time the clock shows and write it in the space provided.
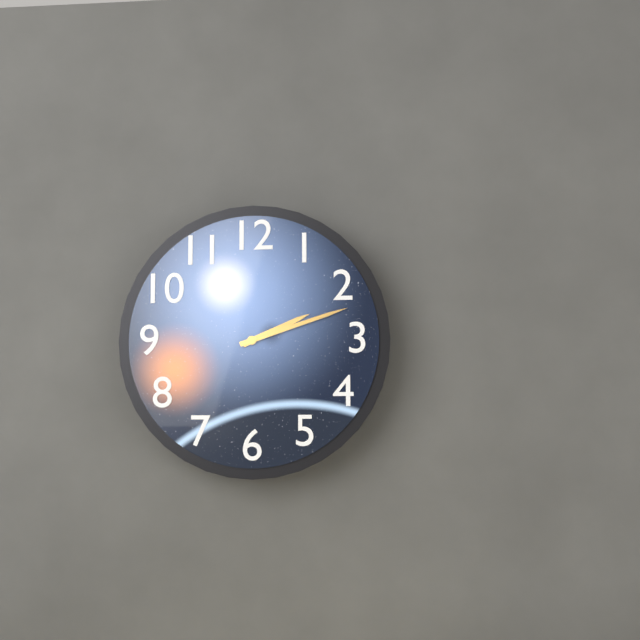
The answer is 2:12
